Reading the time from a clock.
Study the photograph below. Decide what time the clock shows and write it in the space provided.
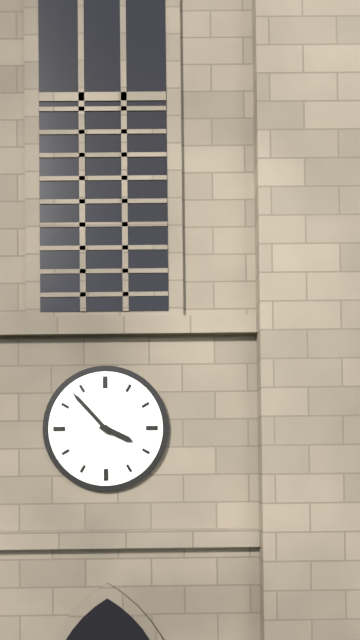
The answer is 3:53
